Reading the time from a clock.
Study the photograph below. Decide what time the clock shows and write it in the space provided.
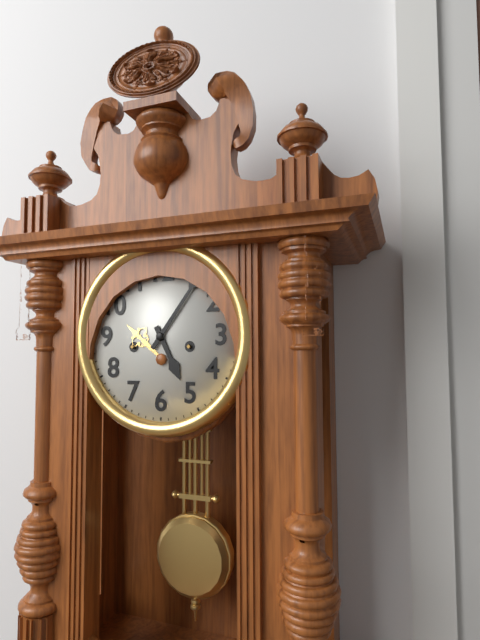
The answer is 5:06
